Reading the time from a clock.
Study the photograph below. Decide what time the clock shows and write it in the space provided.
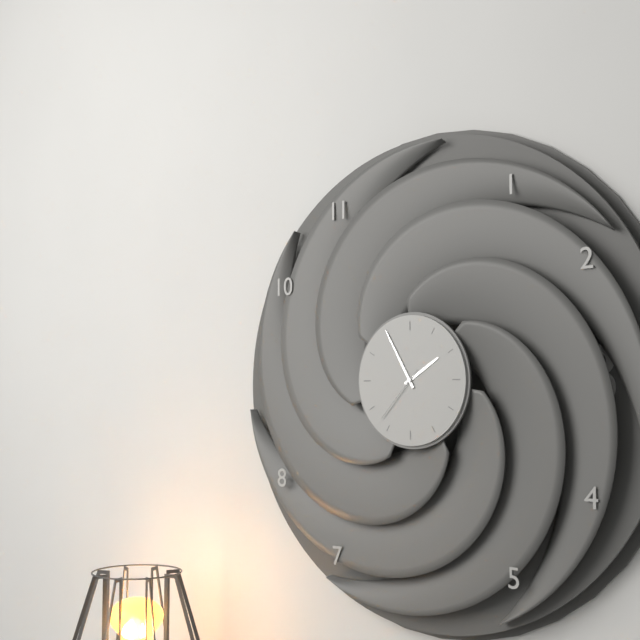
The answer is 1:55:37
